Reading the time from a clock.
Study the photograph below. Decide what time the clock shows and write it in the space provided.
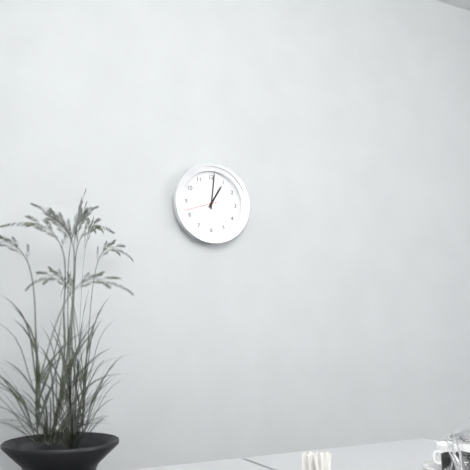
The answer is 1:01
